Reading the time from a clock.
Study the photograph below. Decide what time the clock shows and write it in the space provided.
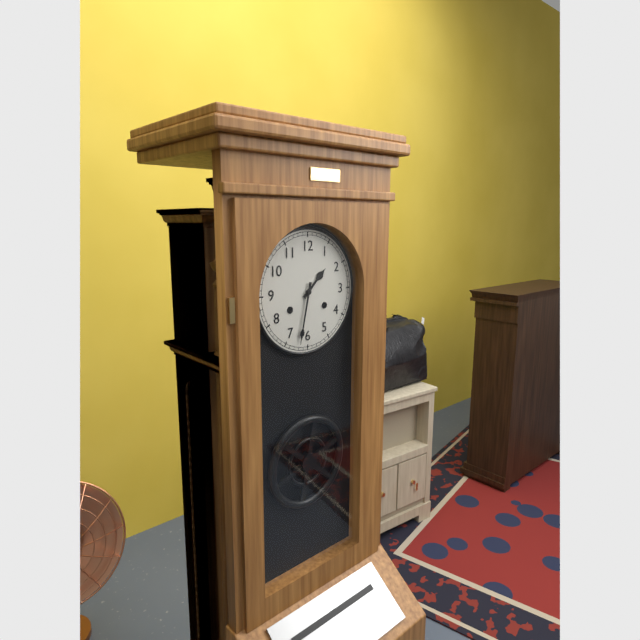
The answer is 1:32
